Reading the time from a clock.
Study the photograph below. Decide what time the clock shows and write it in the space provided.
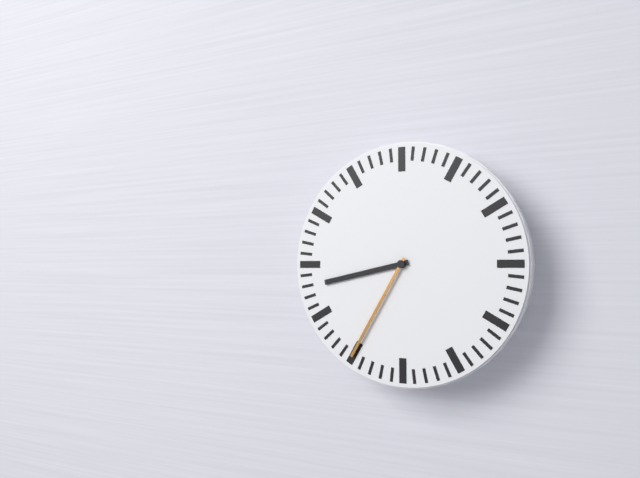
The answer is 8:35
